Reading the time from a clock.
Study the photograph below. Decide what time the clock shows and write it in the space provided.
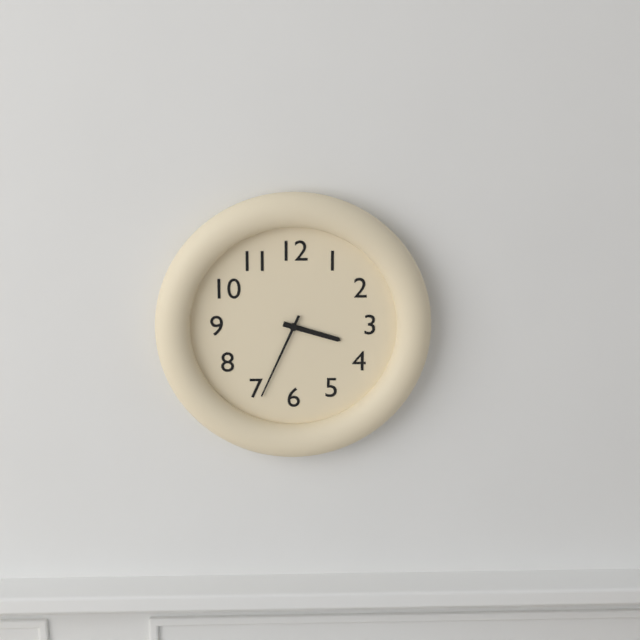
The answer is 3:34
